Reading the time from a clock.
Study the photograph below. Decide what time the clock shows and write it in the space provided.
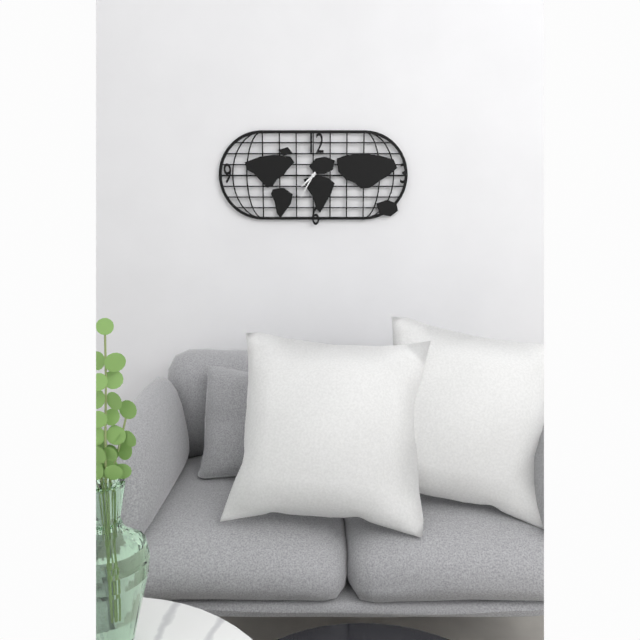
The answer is 7:35
